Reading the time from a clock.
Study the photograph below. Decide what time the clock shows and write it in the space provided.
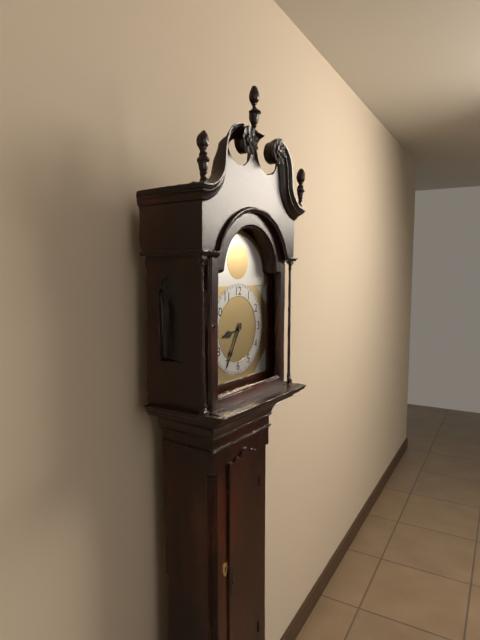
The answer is 8:35
